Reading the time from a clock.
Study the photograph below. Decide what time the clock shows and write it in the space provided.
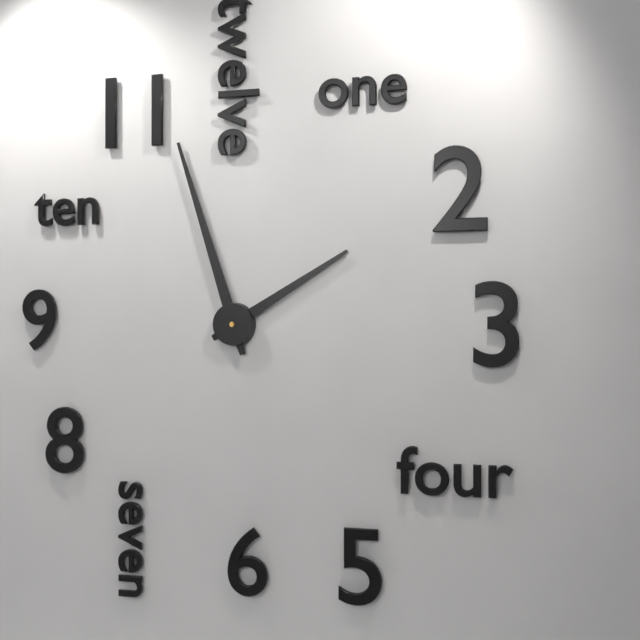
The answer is 1:57
